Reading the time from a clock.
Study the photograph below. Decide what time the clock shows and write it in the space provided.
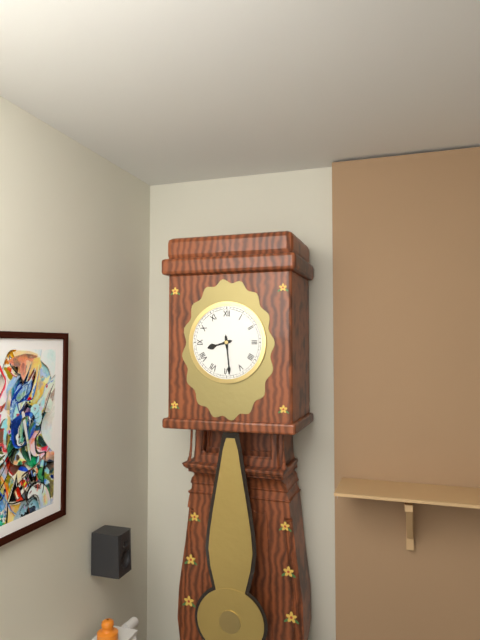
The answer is 8:29
